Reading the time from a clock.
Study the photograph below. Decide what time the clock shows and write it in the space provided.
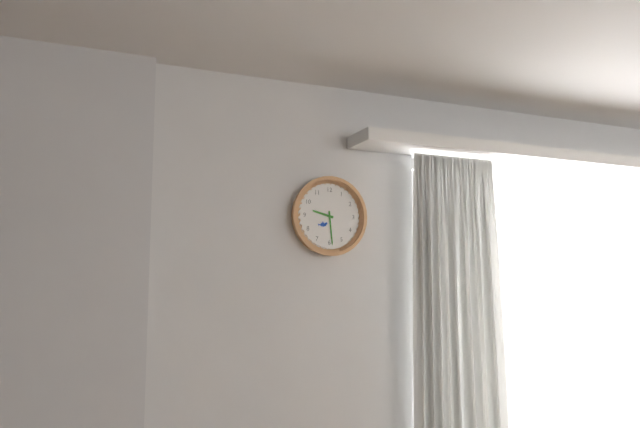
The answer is 9:29
